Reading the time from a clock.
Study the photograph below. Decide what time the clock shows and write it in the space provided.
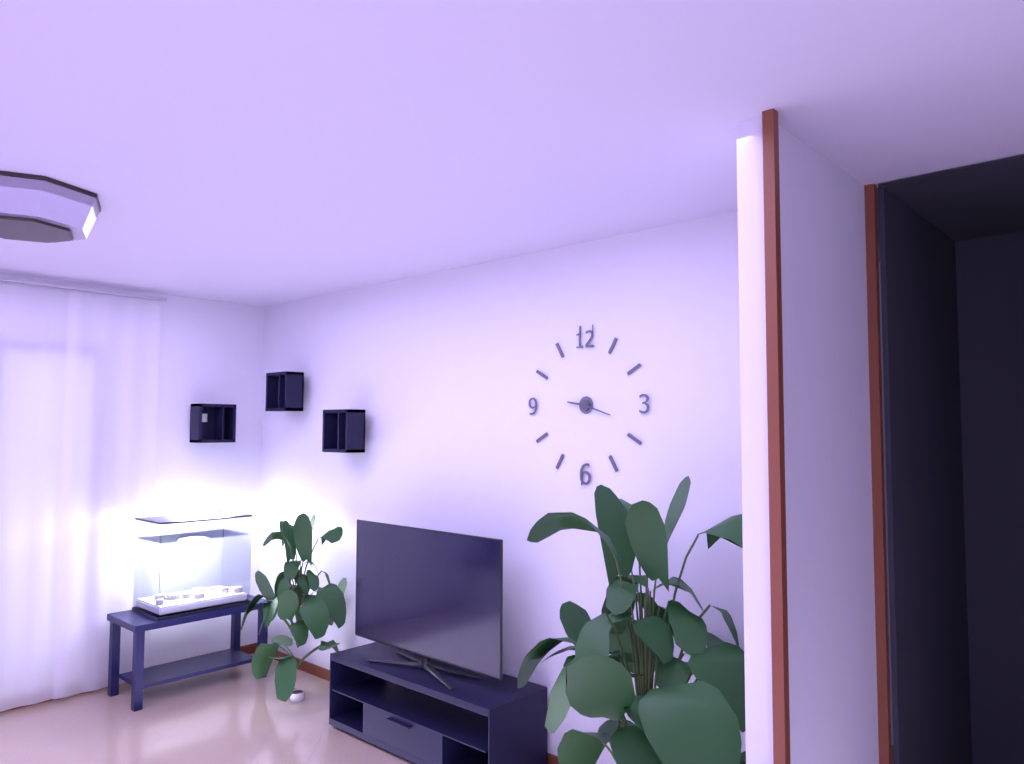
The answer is 9:18
